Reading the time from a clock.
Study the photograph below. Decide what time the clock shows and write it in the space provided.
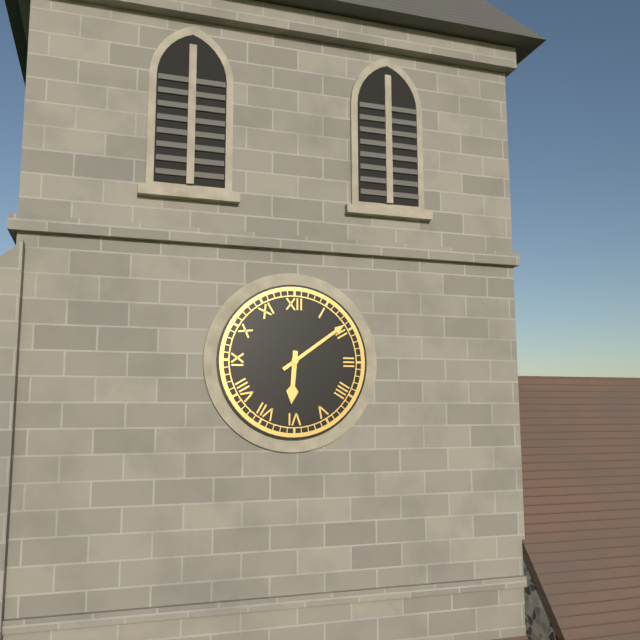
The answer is 6:09
